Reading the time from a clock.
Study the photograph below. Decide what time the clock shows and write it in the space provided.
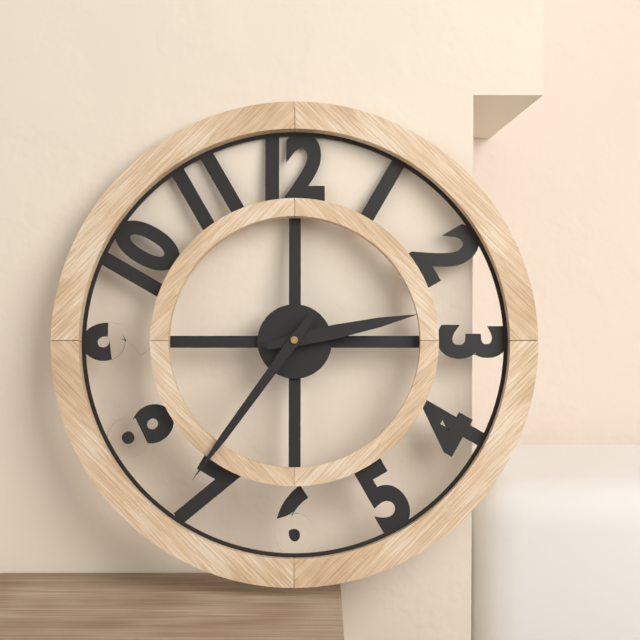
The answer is 2:36
